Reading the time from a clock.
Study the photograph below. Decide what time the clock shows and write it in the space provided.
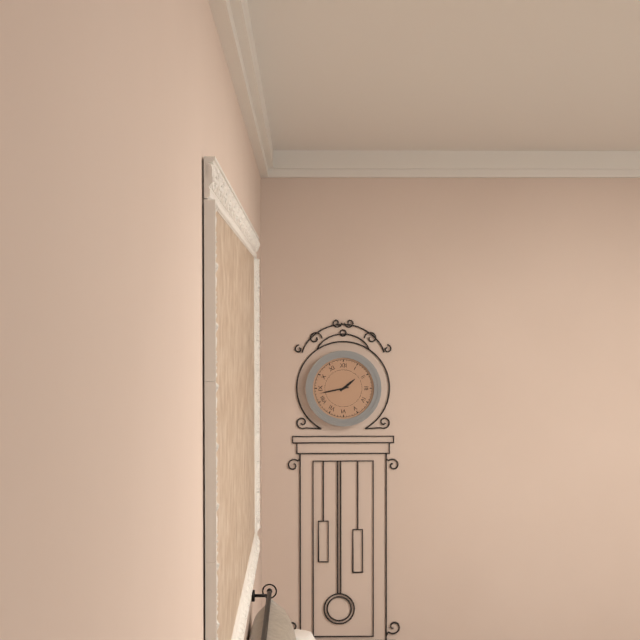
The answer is 1:43
